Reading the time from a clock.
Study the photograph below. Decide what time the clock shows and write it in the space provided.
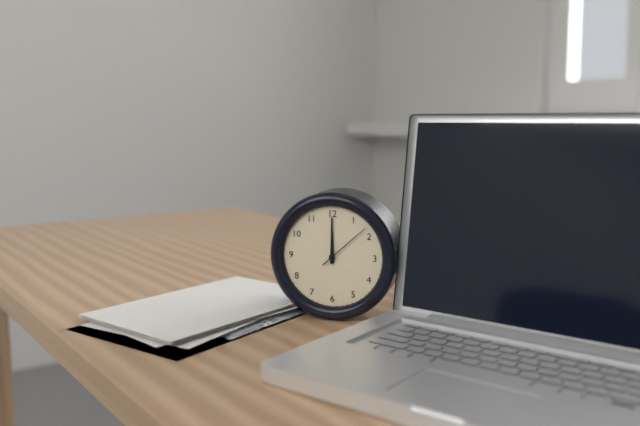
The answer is 12:00:08
